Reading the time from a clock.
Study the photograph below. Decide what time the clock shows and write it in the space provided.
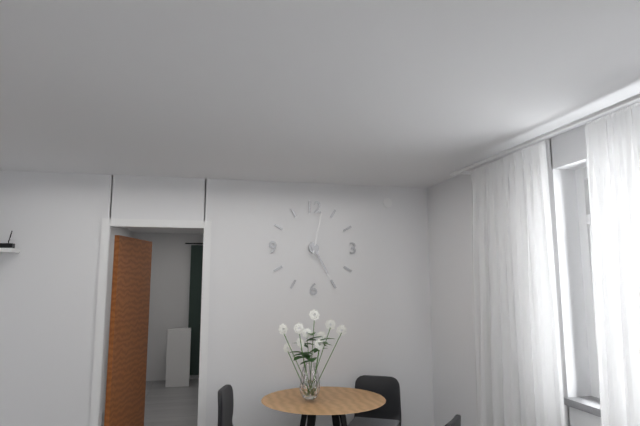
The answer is 5:02
